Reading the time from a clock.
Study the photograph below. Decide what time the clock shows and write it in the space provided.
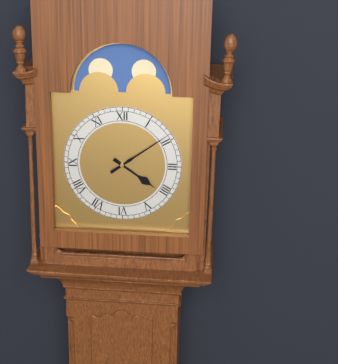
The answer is 4:09
